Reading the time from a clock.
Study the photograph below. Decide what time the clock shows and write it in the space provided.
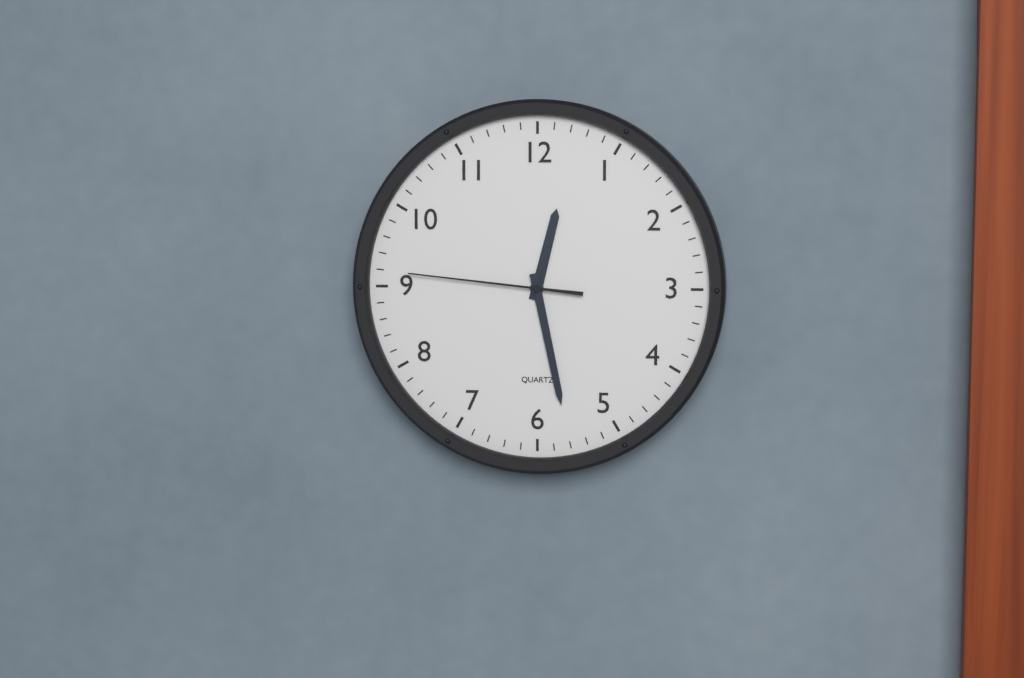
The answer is 12:28:46
